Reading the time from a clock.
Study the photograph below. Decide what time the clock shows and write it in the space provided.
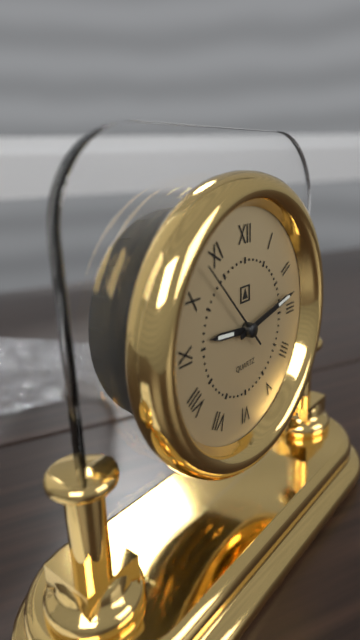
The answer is 9:13:53
